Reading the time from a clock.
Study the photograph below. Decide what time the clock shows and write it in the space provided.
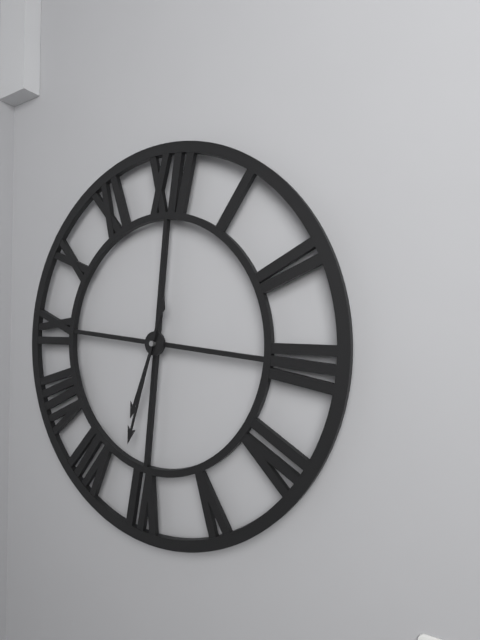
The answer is 6:32
